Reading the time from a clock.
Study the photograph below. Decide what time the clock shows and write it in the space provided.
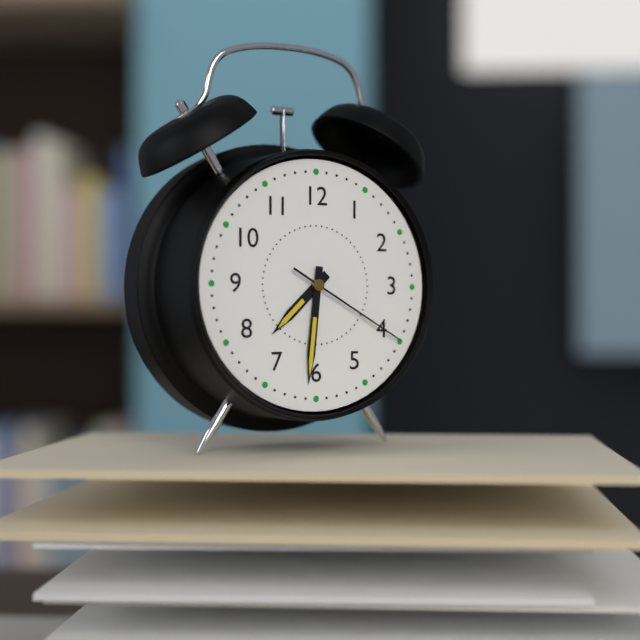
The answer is 7:31:20
